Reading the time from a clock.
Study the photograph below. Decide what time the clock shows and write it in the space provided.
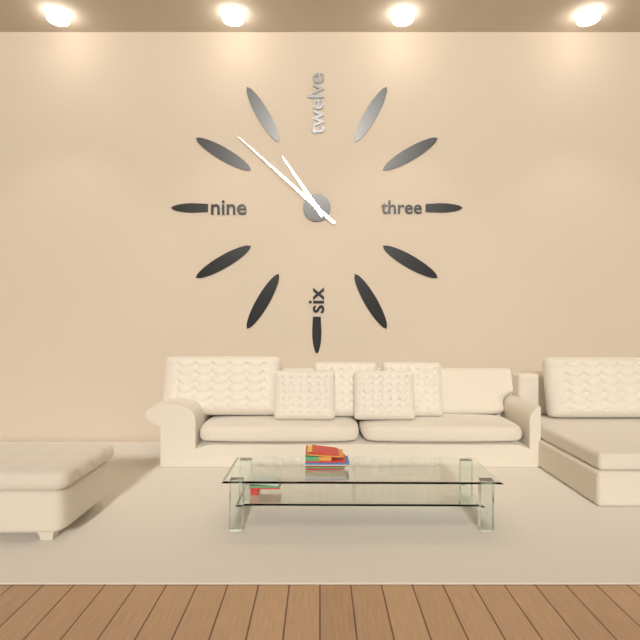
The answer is 10:52
